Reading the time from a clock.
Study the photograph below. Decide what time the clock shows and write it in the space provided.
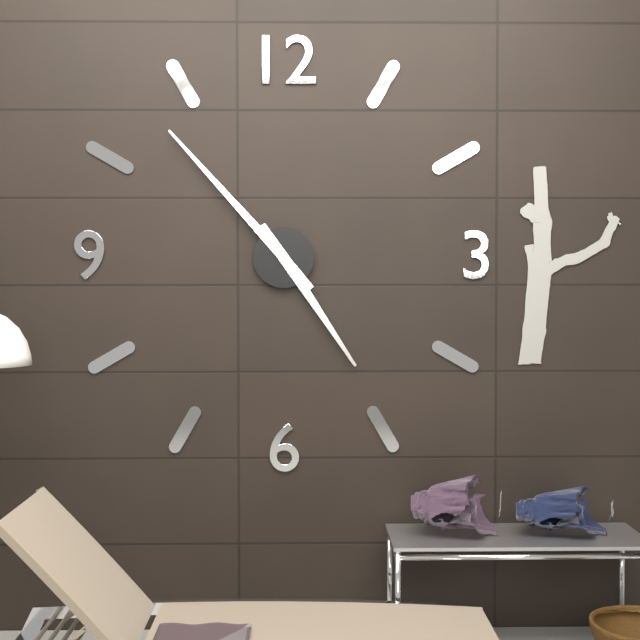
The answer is 4:53
